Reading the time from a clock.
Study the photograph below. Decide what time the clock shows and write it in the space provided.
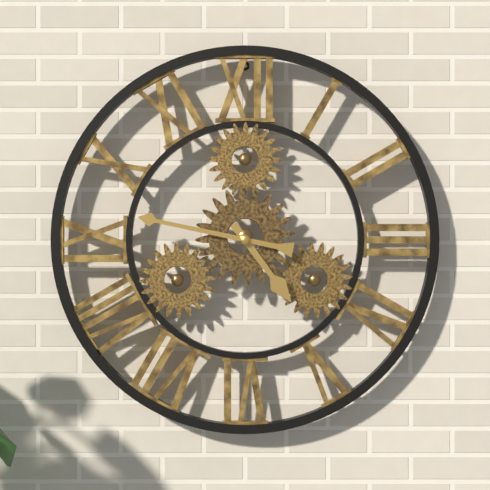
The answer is 4:47
